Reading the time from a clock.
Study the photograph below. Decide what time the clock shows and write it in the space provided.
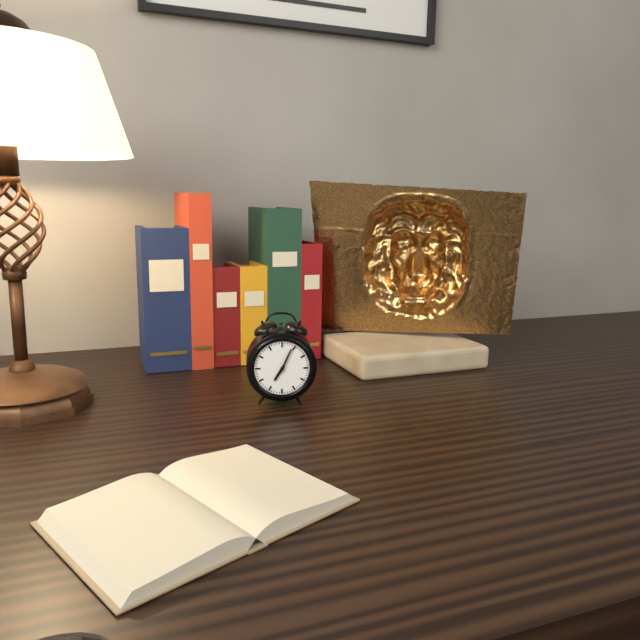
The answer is 7:04
